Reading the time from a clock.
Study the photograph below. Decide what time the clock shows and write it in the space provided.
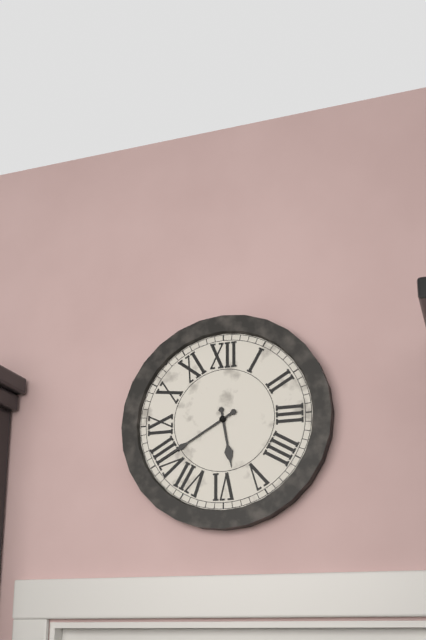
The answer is 5:40
